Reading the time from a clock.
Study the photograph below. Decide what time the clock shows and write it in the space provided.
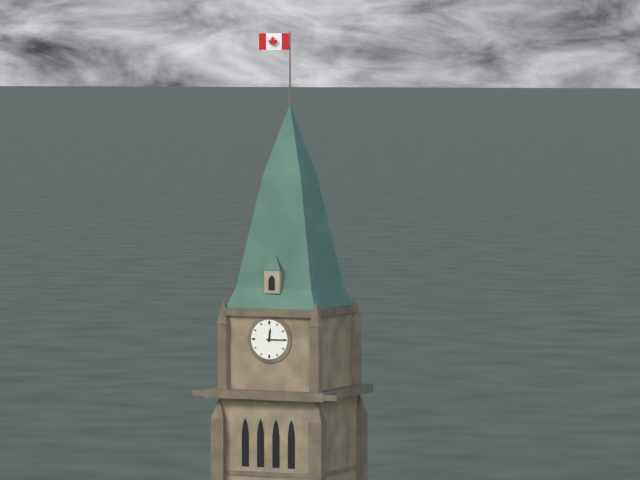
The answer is 12:15
